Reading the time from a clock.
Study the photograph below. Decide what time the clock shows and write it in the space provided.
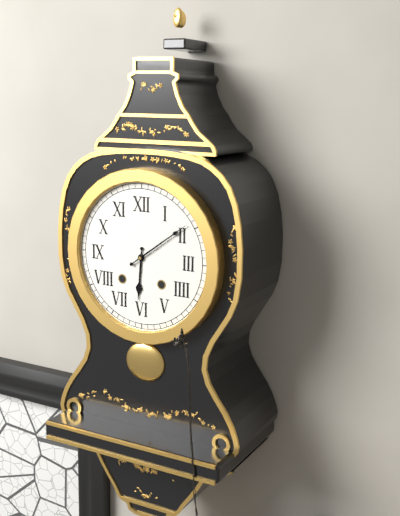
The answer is 6:09
